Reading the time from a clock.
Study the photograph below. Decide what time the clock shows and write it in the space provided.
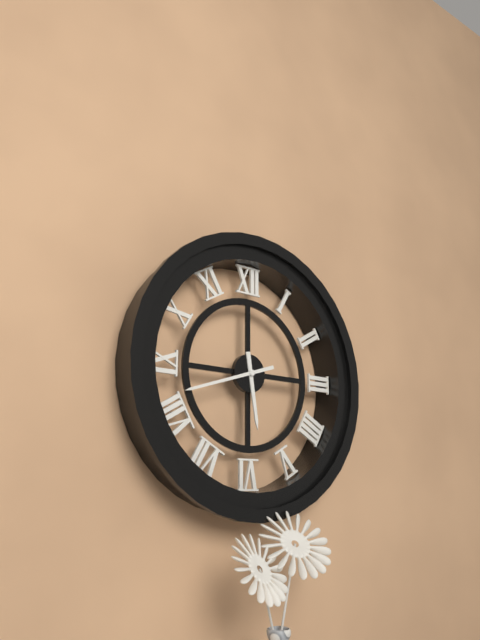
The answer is 5:42
